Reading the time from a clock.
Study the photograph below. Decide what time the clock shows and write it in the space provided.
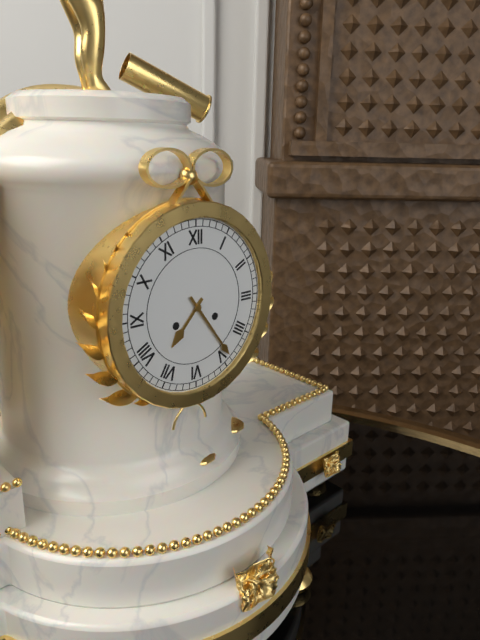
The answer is 7:24
